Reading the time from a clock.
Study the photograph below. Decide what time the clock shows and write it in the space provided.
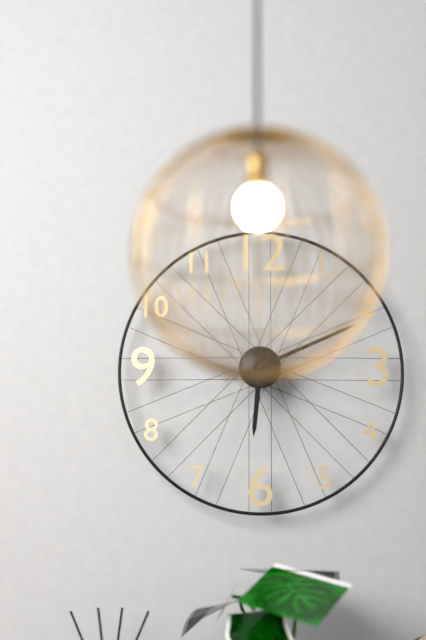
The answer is 6:11
